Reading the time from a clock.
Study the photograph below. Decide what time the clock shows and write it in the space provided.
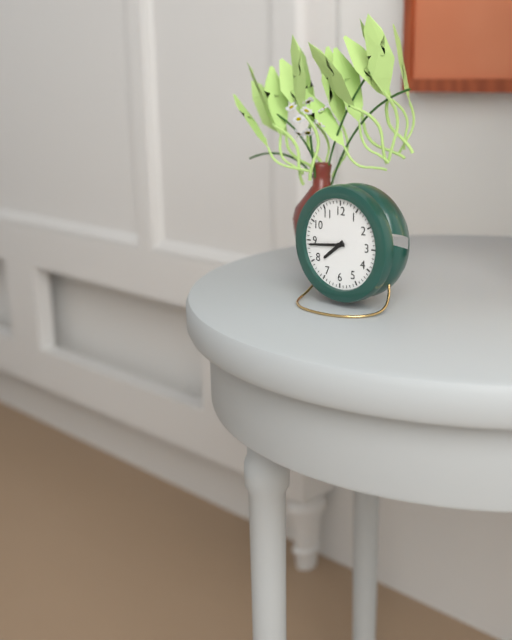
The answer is 7:44
